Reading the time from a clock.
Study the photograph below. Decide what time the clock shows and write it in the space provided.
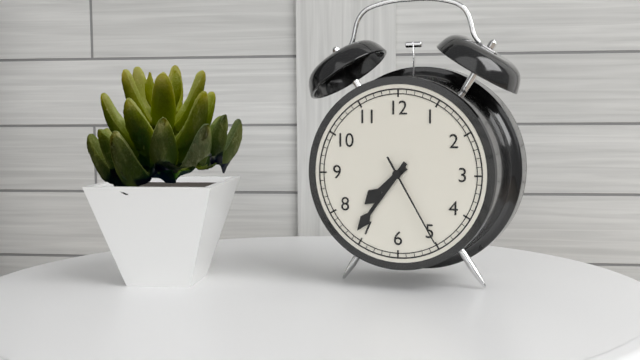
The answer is 7:36:25
